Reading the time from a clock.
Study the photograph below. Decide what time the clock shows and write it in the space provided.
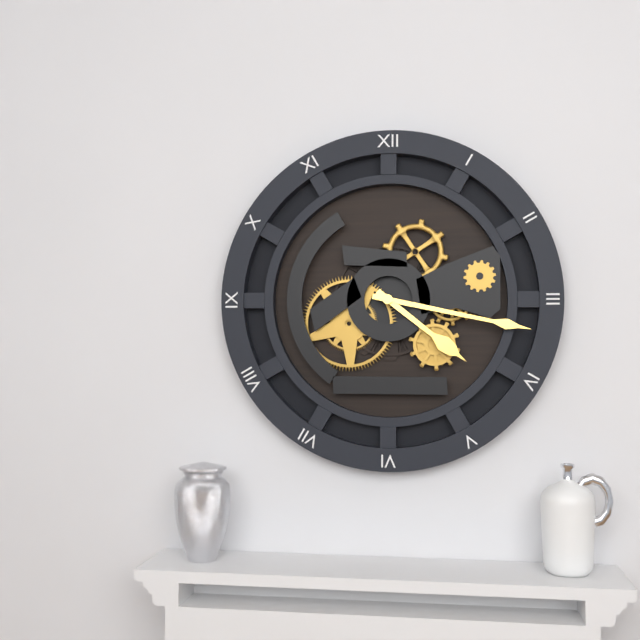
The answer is 4:17
